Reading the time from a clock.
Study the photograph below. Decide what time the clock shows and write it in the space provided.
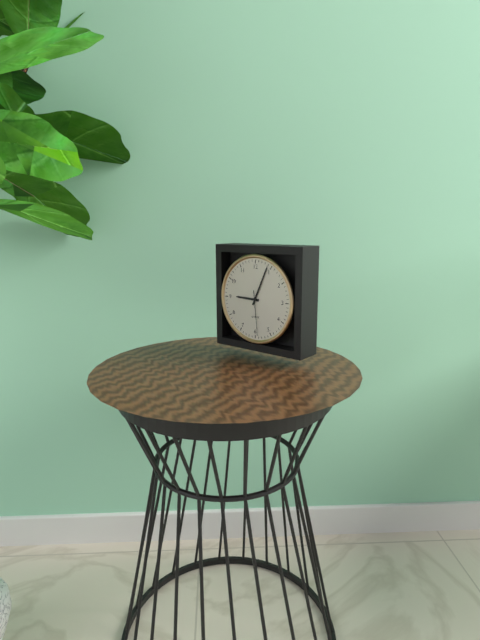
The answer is 9:04
